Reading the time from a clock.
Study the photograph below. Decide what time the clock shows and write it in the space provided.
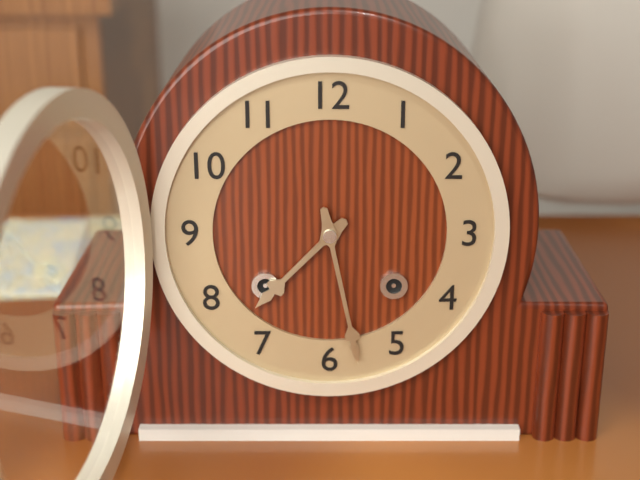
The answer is 7:28
